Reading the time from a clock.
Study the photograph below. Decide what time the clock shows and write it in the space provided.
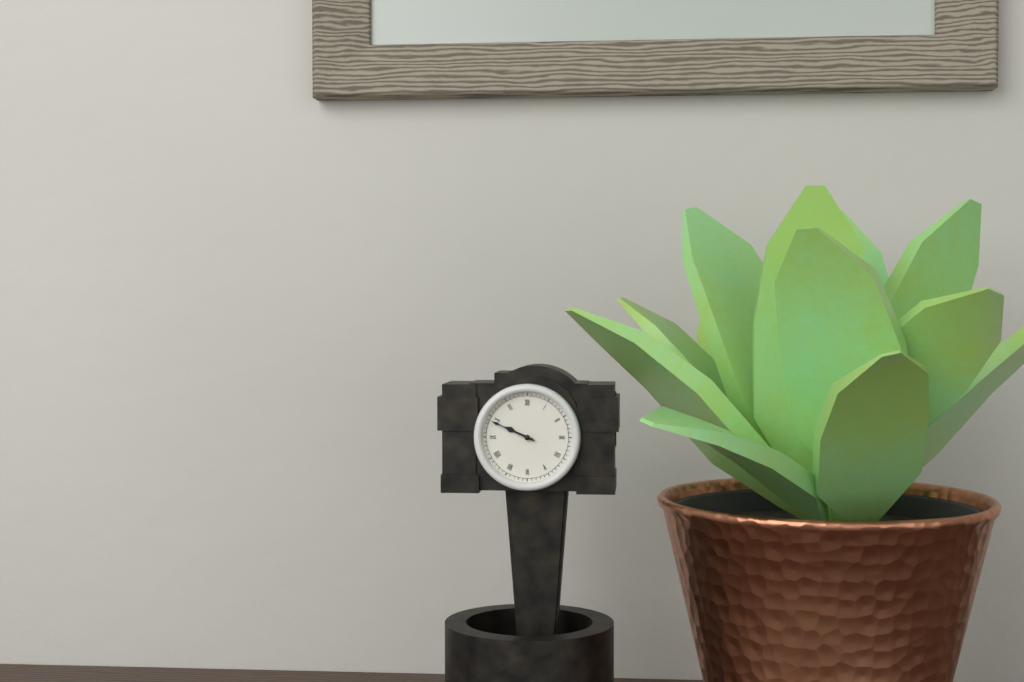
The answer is 9:49
